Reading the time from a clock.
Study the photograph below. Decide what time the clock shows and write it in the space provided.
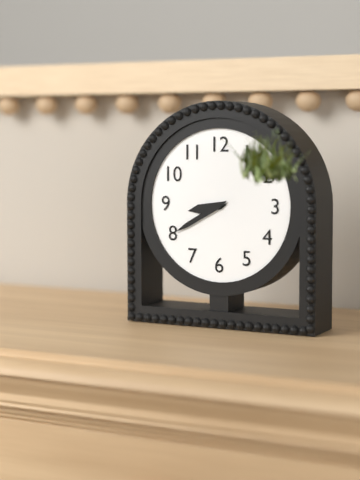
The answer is 8:40
